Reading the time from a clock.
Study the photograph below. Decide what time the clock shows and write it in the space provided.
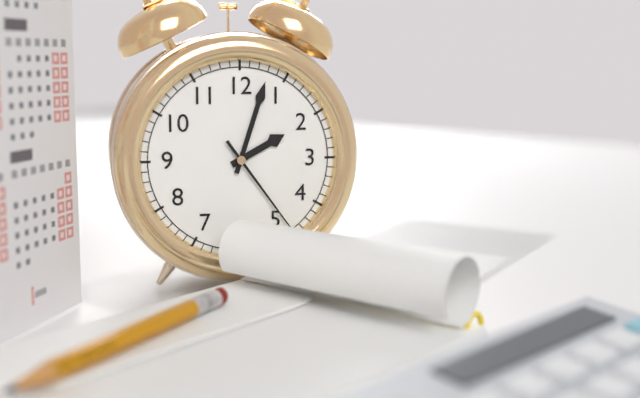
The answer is 2:03:24
